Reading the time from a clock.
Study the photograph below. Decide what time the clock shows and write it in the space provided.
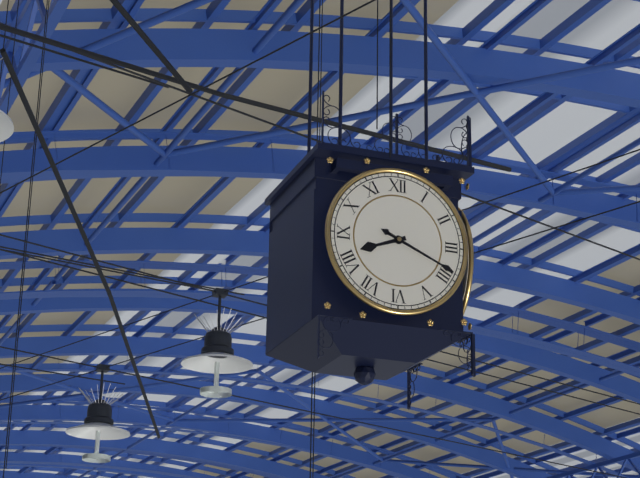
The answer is 8:19
